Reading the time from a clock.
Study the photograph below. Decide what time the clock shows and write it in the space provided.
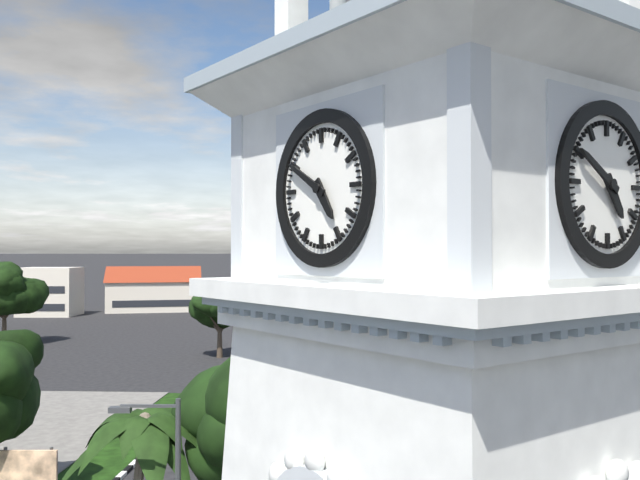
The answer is 4:50
